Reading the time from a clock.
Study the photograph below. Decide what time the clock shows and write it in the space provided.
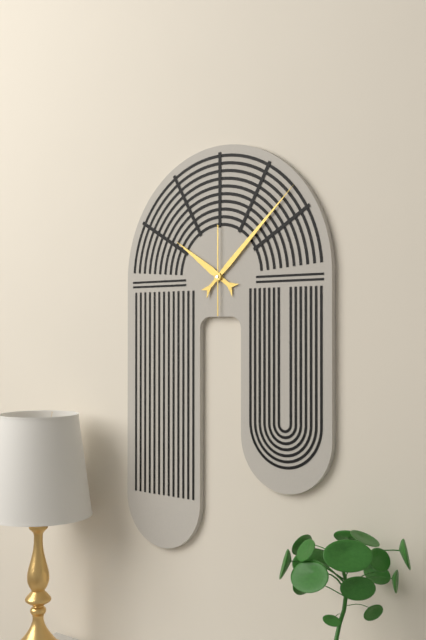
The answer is 10:08:00
